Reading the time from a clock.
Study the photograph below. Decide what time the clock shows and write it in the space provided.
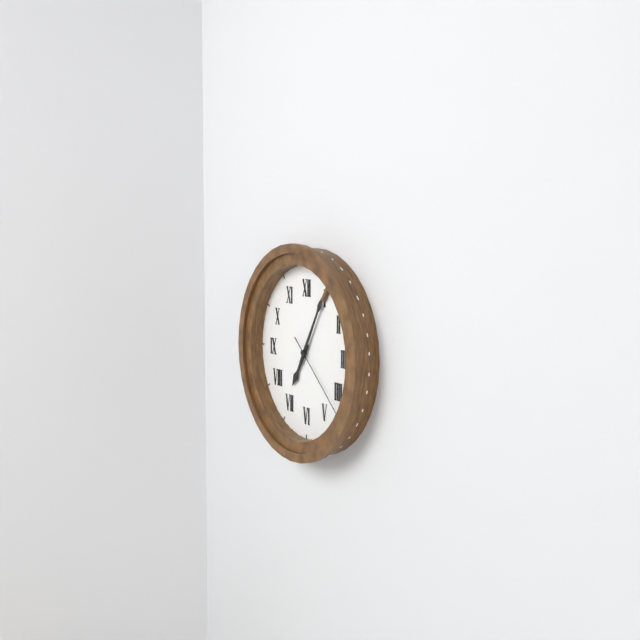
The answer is 7:05:22
